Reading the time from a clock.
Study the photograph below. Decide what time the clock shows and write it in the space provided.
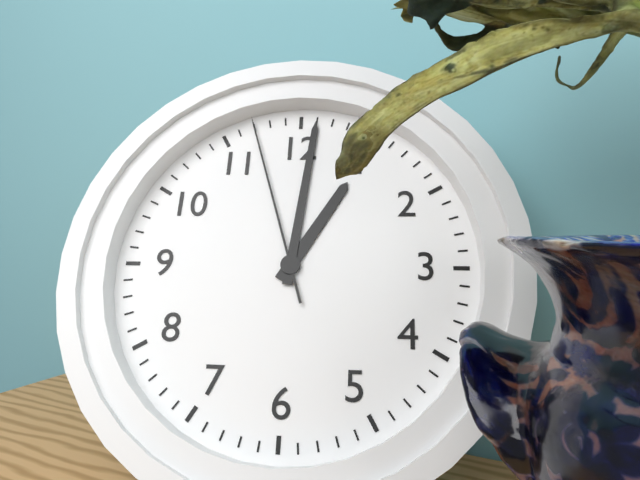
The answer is 1:01:57
